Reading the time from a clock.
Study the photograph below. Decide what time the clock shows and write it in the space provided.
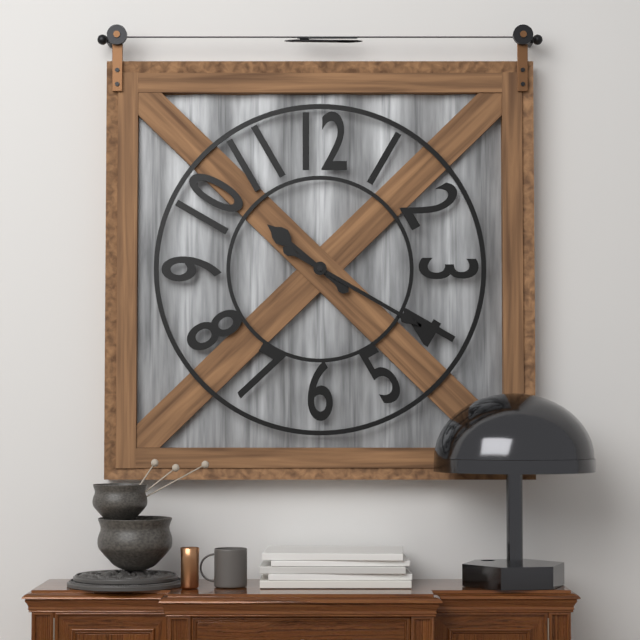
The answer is 10:20
